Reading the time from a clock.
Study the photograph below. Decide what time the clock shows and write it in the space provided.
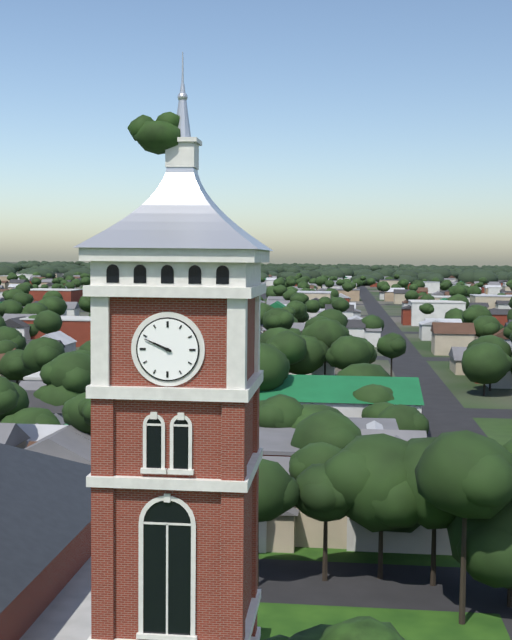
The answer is 9:49
